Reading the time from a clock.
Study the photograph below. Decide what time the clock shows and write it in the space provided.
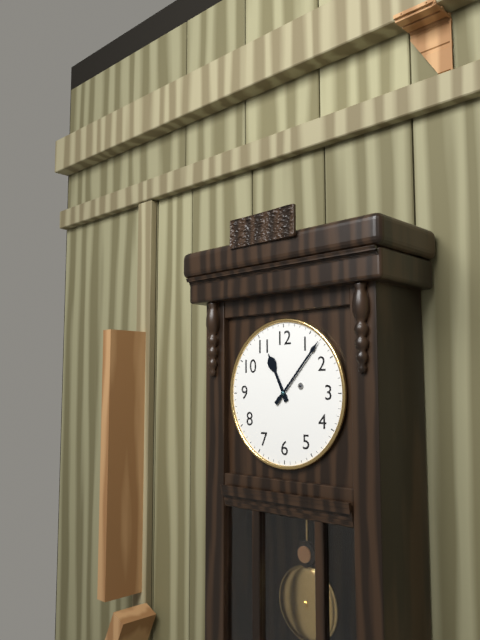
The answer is 11:07
